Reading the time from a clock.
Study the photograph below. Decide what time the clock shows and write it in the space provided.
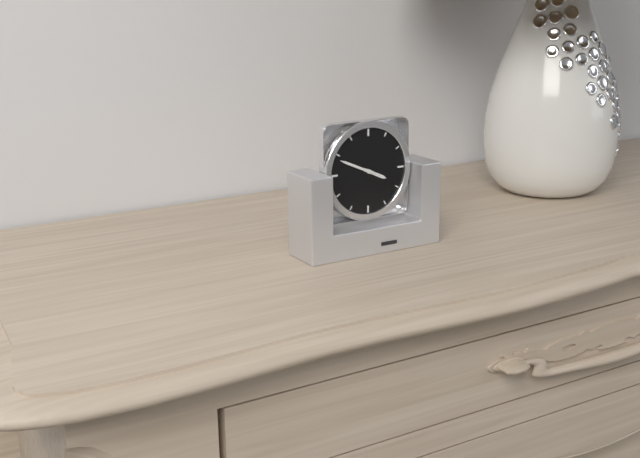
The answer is 3:49
